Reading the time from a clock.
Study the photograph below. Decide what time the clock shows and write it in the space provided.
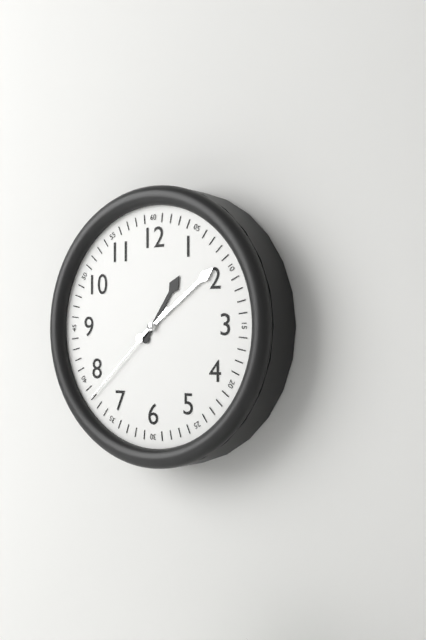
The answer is 1:09:38
